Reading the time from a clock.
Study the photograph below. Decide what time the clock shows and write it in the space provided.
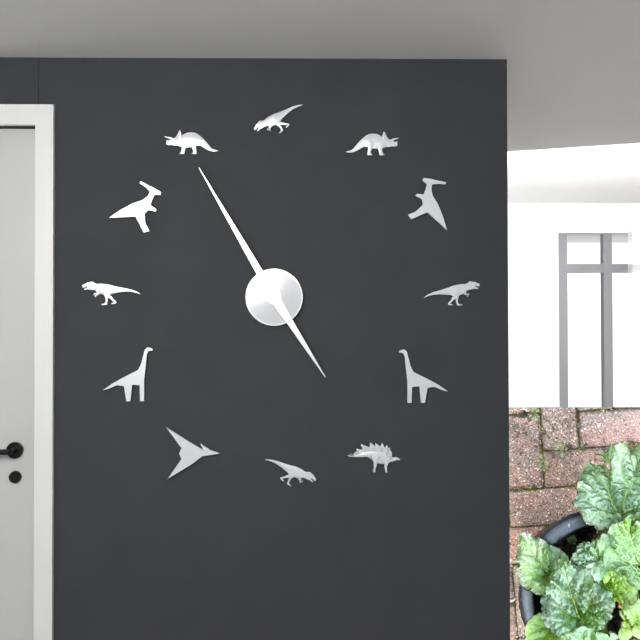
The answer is 4:55
